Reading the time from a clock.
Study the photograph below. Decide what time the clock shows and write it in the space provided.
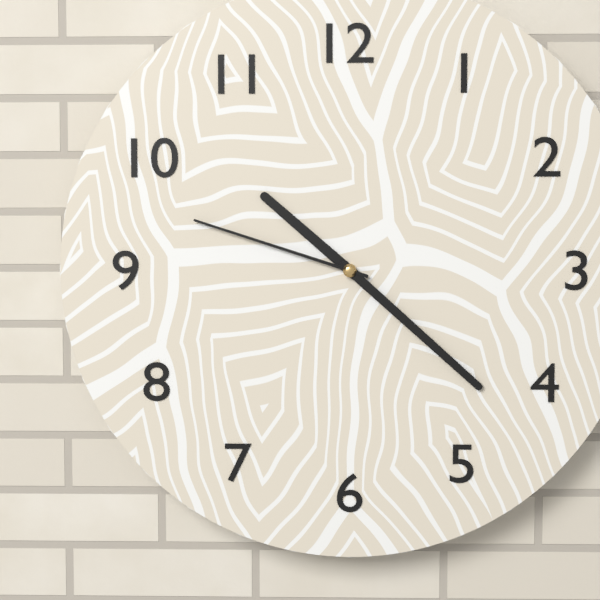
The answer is 10:22:48
